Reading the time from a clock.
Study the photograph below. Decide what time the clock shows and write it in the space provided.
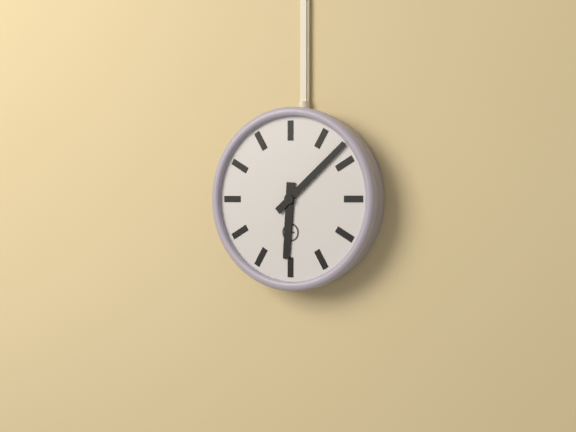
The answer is 6:08
